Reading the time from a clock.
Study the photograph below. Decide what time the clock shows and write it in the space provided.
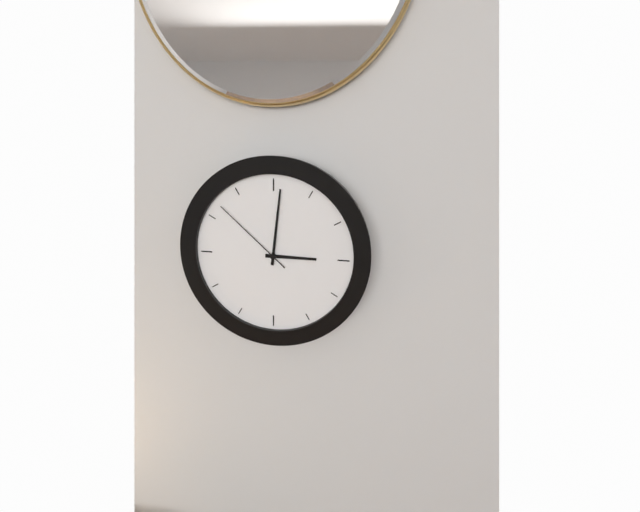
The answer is 3:01:52
